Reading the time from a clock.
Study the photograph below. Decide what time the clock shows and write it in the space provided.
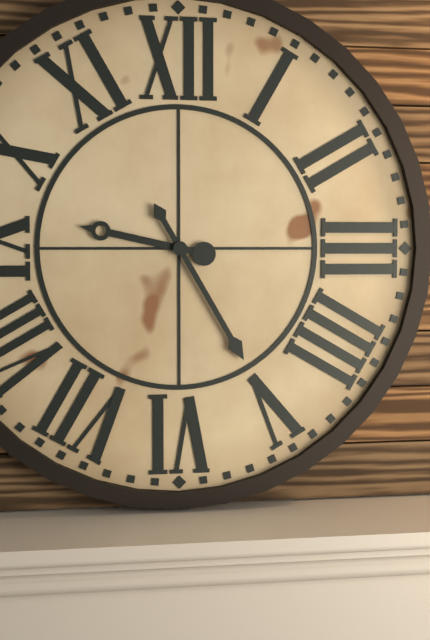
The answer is 9:25
